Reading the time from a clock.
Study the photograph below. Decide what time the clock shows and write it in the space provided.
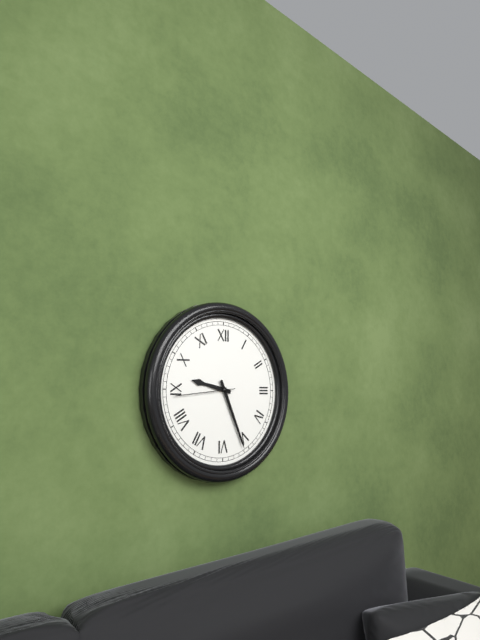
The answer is 9:26:44
